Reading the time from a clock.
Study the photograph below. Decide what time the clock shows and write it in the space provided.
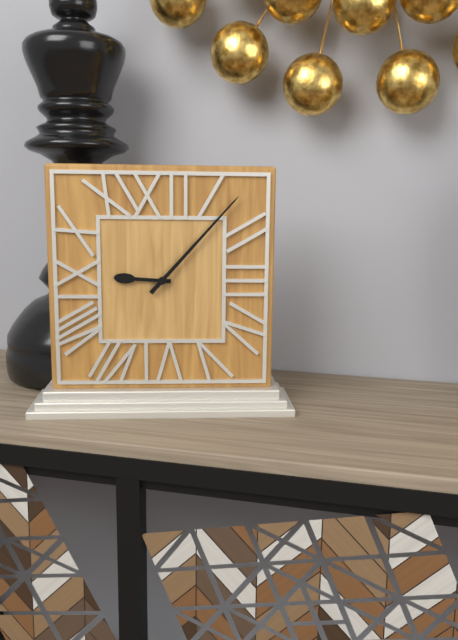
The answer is 9:07
